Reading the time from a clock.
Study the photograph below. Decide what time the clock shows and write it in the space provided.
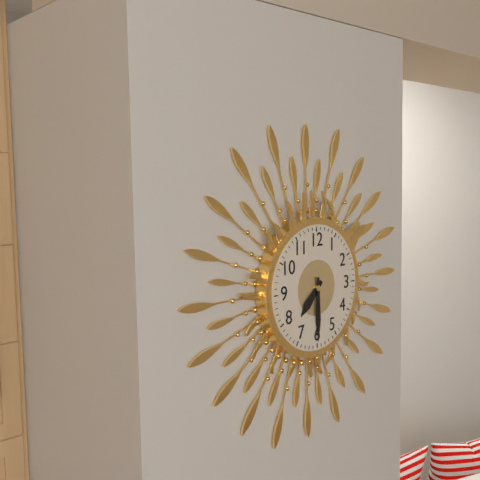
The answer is 7:30
